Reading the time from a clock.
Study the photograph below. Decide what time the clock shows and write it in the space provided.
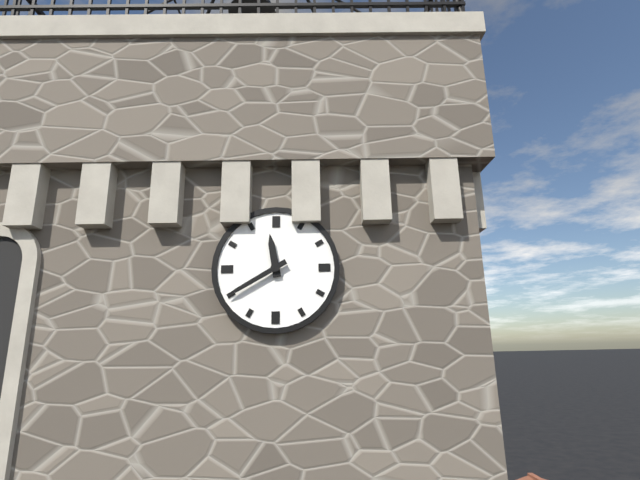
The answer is 11:40
